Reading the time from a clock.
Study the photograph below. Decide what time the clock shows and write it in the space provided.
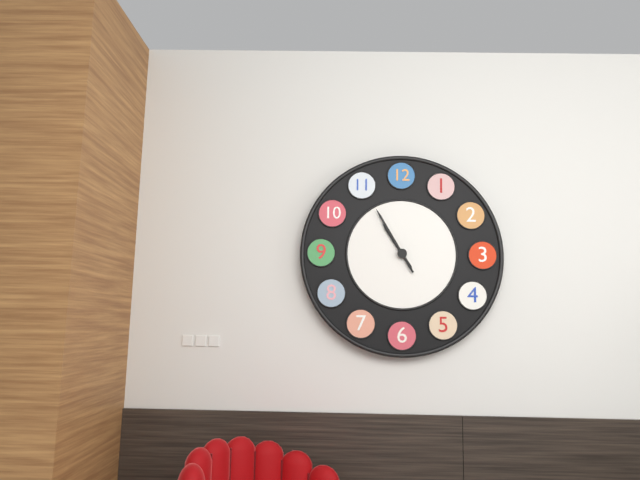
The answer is 10:55
